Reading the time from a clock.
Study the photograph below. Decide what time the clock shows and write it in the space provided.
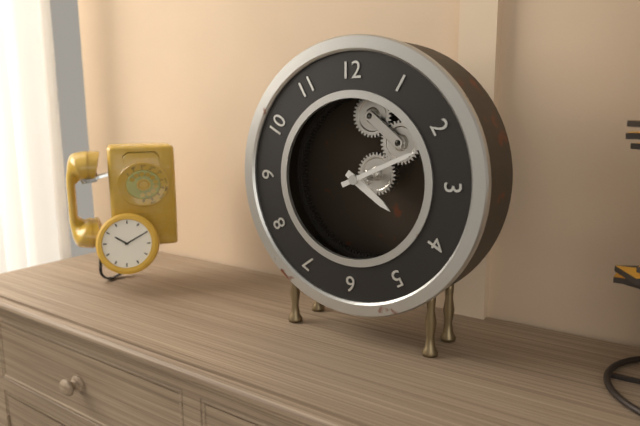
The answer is 4:11
